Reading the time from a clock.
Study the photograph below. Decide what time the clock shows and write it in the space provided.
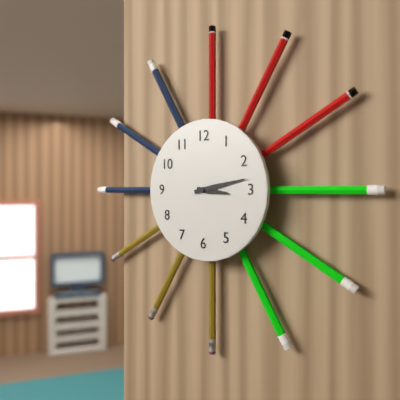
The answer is 3:13
